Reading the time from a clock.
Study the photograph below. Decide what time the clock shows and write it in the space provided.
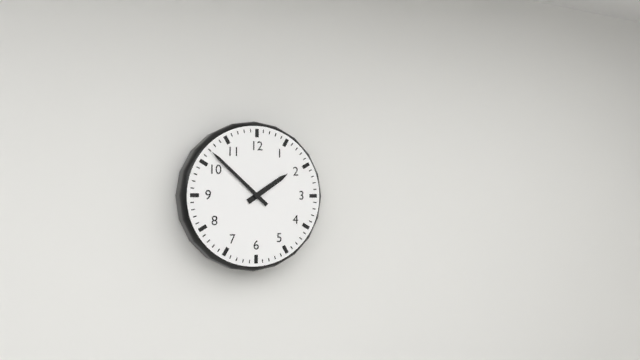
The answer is 1:52
